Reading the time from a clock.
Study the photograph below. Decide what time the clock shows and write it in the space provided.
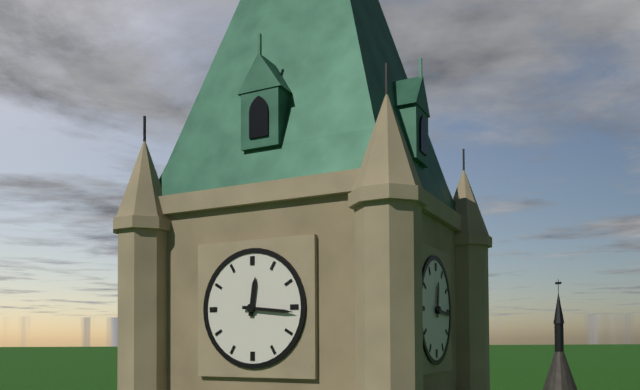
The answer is 12:16
